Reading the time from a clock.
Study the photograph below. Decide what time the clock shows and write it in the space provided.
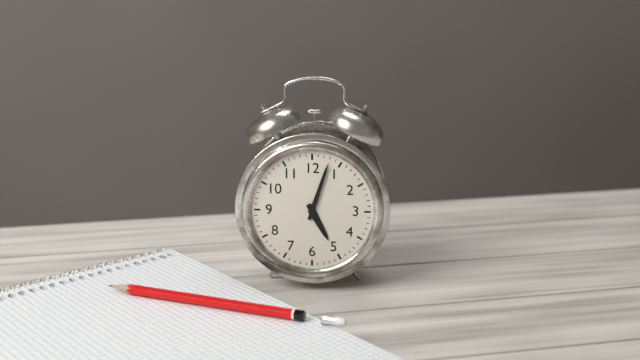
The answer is 5:03
